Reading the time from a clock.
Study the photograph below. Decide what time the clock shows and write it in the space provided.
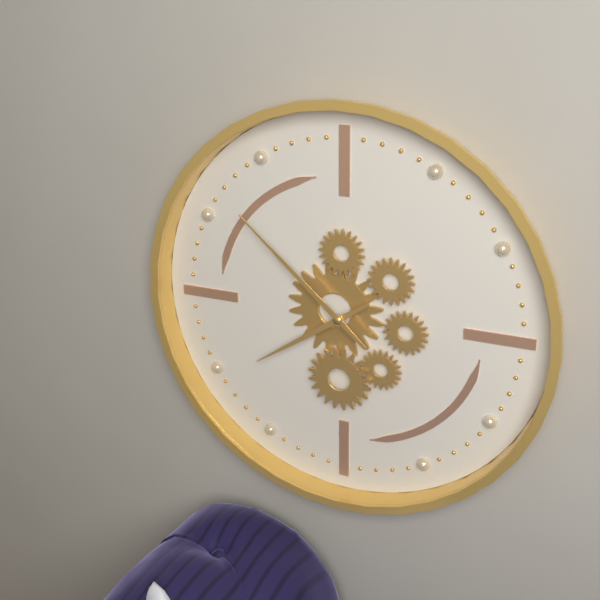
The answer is 7:52
